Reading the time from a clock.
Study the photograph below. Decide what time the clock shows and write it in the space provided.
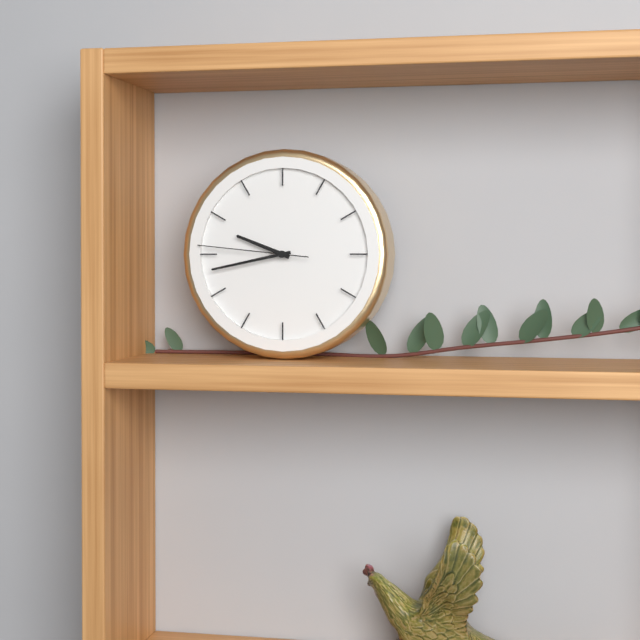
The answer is 9:43:46
